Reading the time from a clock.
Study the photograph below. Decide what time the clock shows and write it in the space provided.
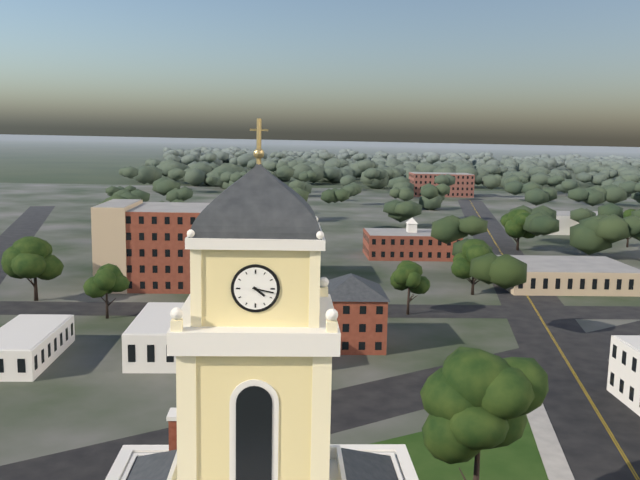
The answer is 4:17
